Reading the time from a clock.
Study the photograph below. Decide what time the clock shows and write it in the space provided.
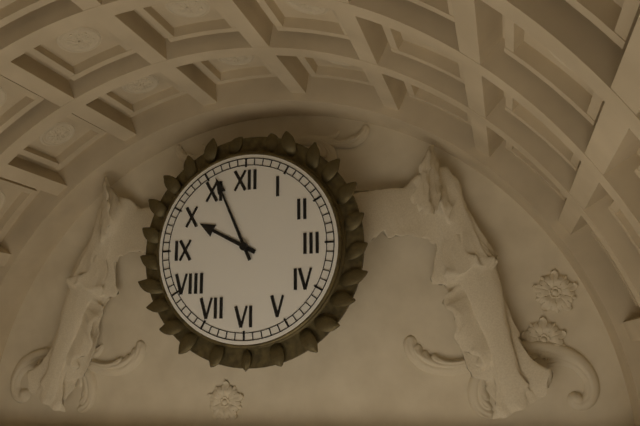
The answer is 9:56
